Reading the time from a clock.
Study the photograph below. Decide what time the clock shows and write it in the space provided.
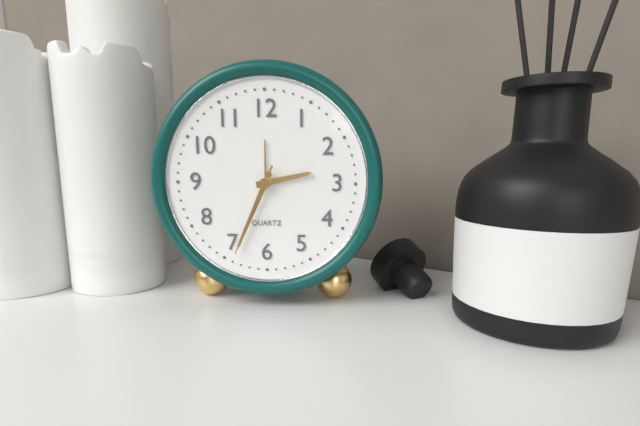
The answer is 2:34:34
